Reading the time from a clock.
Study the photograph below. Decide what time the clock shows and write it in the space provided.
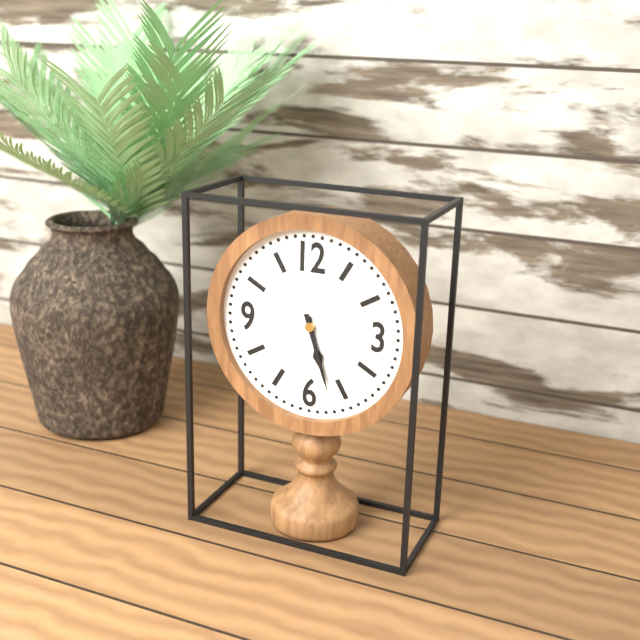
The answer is 5:27
